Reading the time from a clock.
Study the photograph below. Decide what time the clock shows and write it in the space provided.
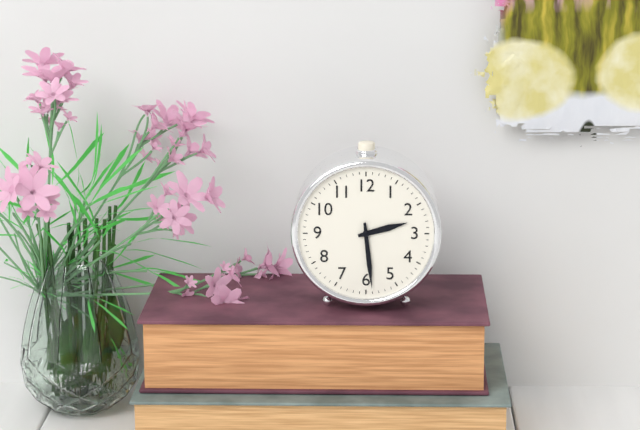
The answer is 2:29
